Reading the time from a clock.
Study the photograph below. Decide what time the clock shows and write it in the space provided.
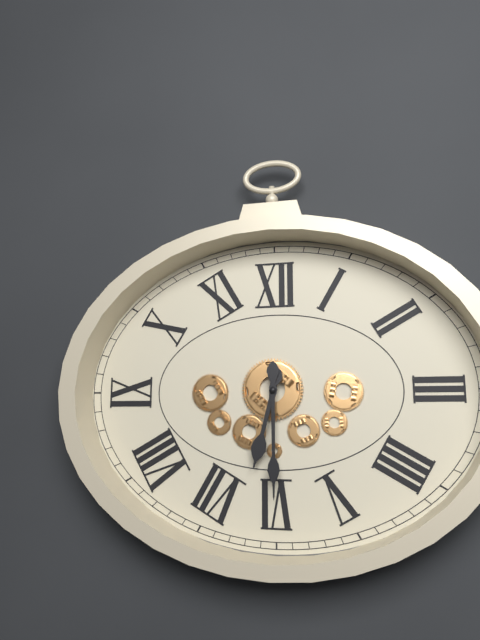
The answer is 6:30
